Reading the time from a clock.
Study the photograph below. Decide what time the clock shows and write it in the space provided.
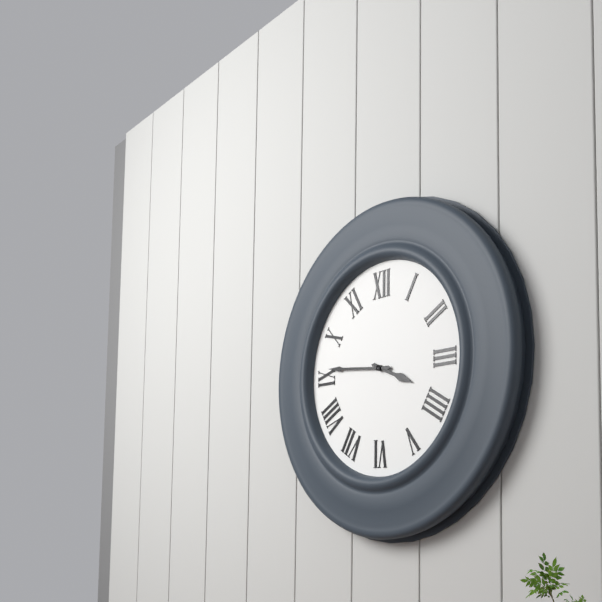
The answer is 3:46
